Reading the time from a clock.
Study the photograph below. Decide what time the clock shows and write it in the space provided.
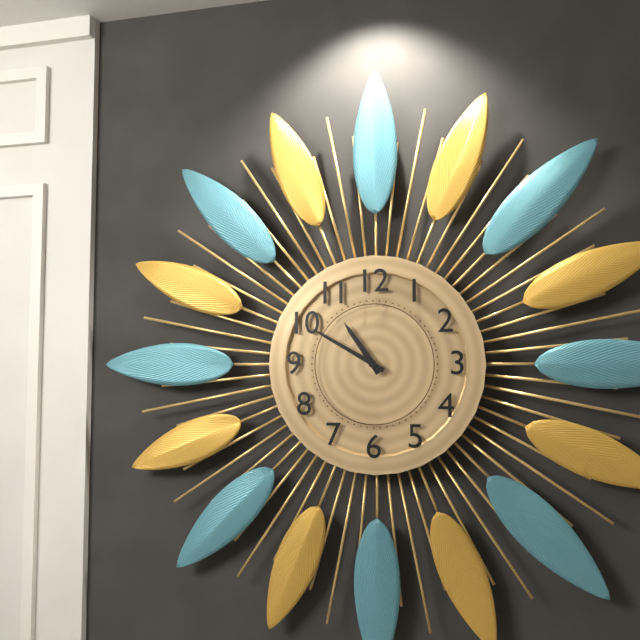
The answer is 10:50
